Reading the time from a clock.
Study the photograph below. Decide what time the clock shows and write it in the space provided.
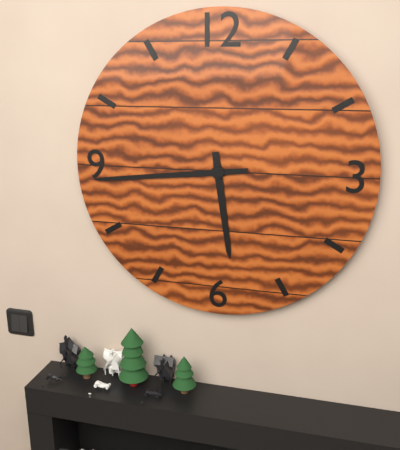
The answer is 5:44
